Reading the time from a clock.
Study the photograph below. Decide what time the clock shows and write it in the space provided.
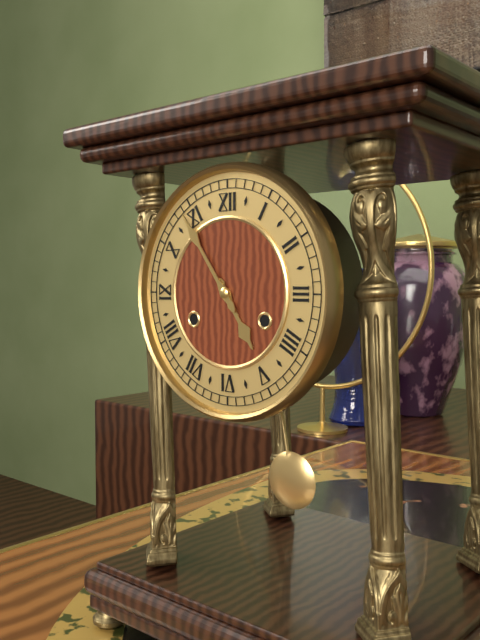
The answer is 4:54
